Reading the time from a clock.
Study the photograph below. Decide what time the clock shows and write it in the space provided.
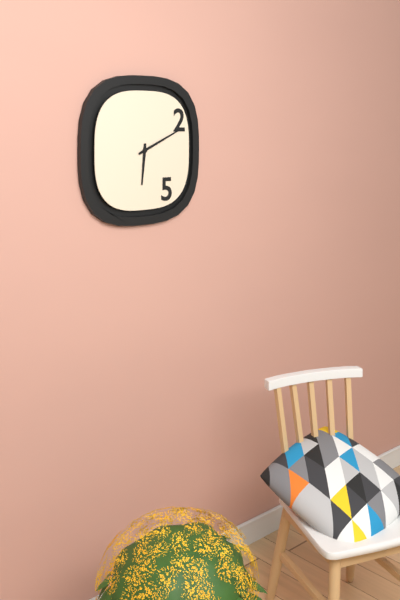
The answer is 6:11
